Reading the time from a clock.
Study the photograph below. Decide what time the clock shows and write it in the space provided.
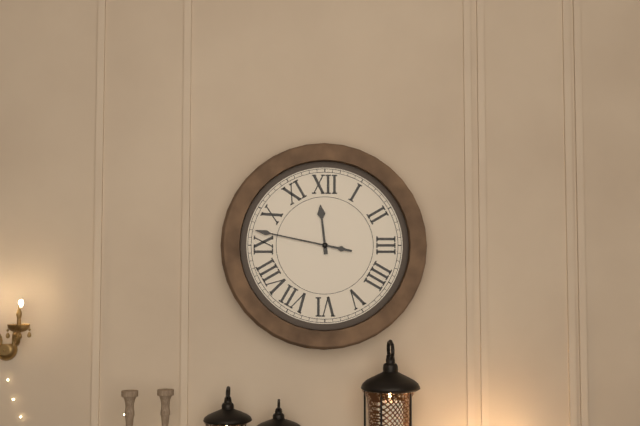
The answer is 11:47
